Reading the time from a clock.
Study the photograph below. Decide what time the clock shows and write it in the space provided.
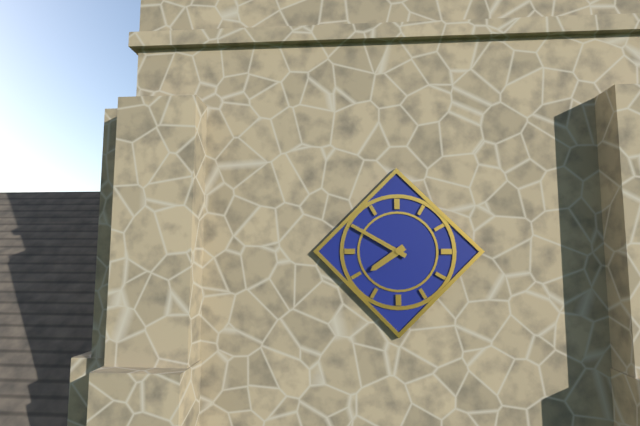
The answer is 7:50
